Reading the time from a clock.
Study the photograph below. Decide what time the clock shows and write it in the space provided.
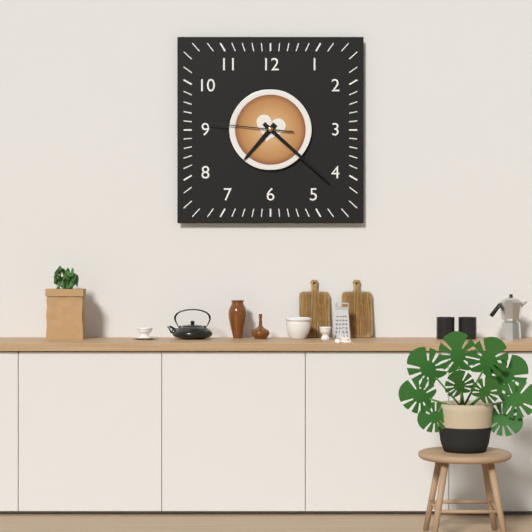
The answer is 7:22:46
